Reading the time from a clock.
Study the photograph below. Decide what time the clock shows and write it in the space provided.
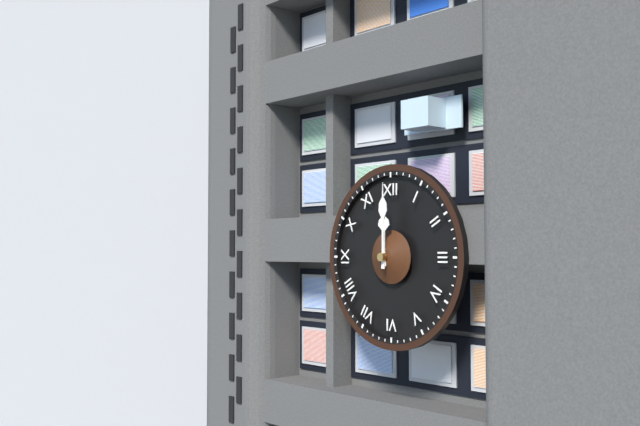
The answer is 12:00
